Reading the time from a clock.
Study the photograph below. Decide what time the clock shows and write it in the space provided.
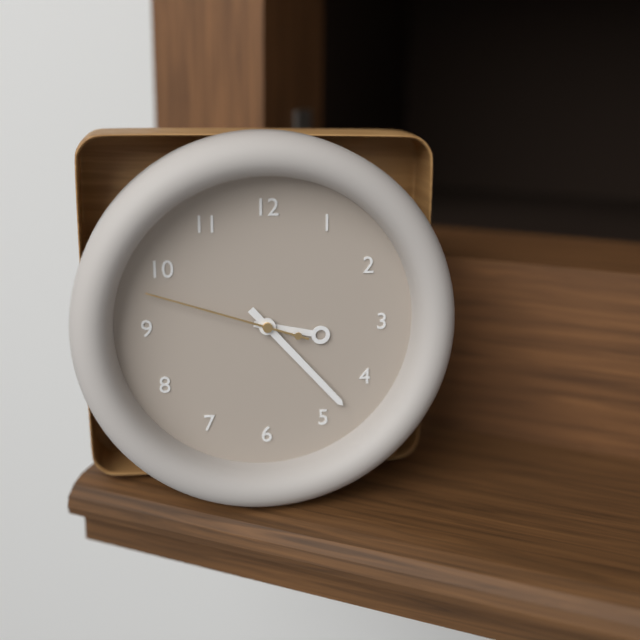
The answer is 3:23:48
